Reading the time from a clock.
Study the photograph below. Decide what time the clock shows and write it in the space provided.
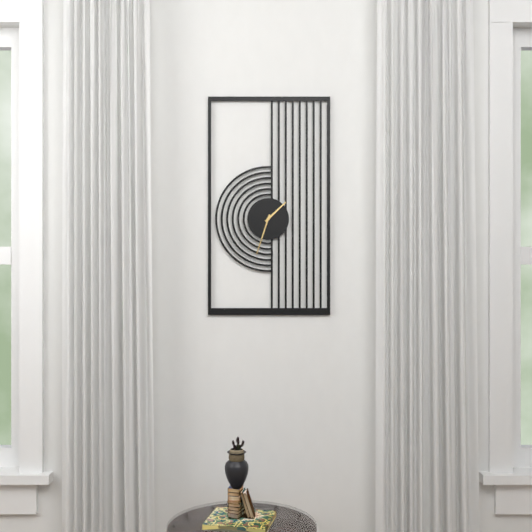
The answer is 1:33
